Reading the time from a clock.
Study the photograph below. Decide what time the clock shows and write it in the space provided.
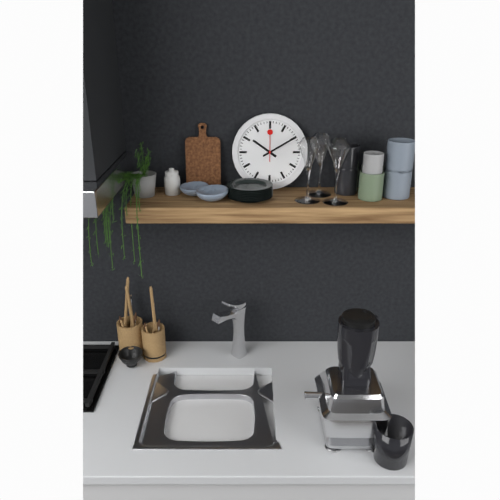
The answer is 10:10
